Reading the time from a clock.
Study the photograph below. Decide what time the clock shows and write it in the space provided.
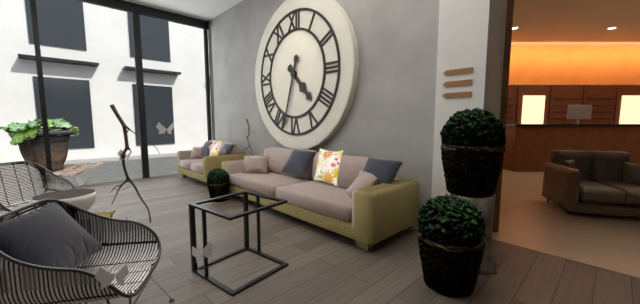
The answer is 4:33
